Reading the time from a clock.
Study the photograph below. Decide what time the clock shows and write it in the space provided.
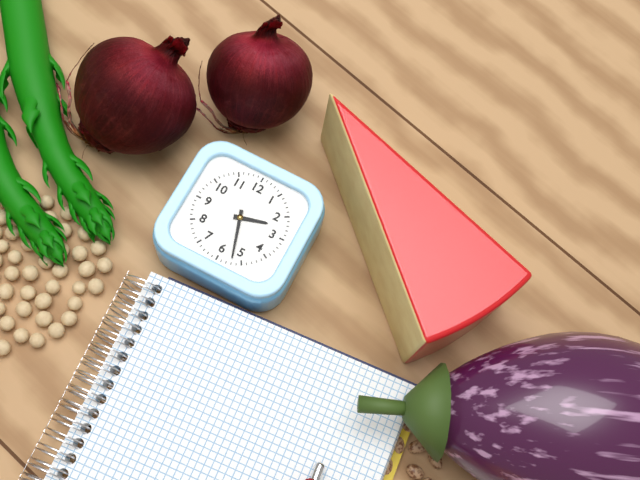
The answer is 2:27
